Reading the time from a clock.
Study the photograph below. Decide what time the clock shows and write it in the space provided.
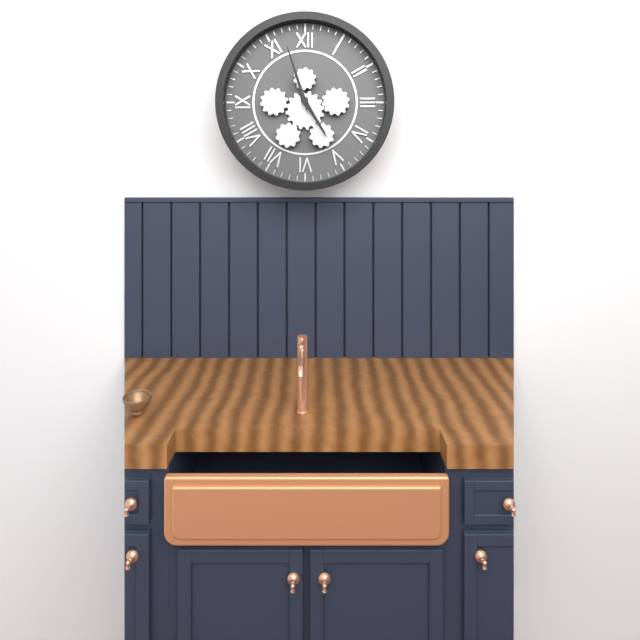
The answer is 4:57
